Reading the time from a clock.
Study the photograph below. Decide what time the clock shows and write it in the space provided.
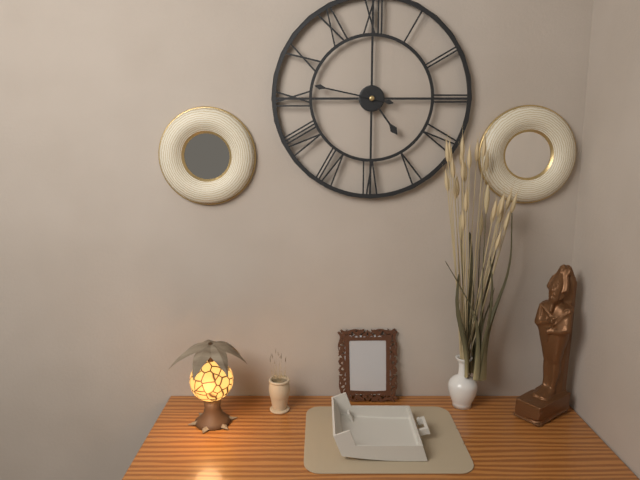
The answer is 4:47
